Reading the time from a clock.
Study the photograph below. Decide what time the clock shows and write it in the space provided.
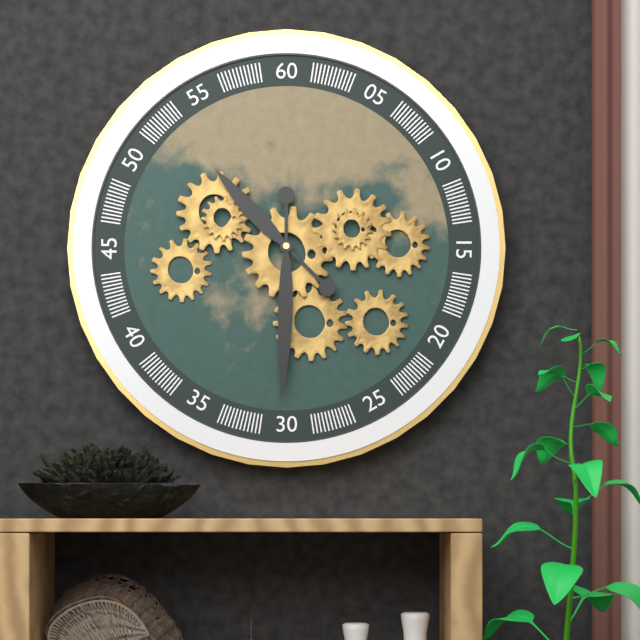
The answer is 10:30
